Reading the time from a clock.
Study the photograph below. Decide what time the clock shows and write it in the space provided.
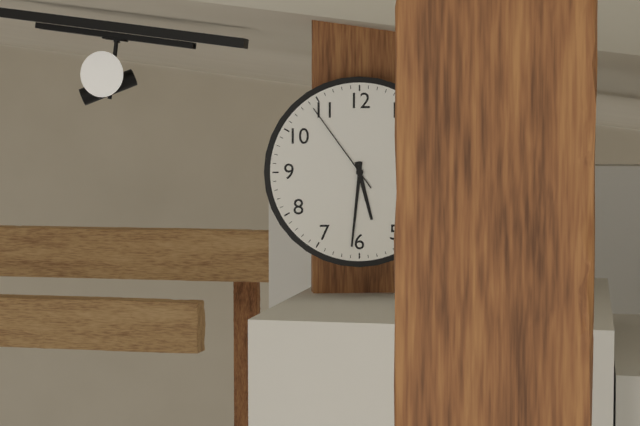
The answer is 5:31:54
